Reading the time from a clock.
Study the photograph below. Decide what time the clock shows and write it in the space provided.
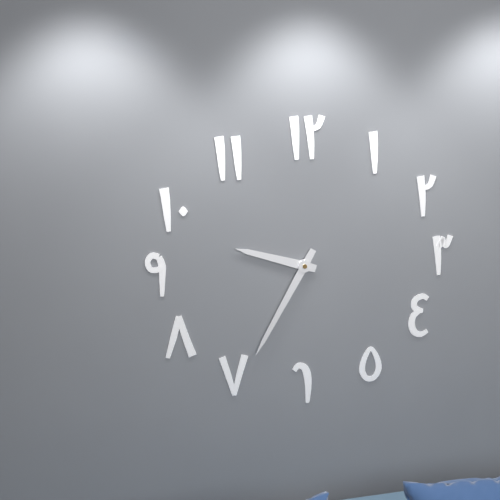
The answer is 9:35
